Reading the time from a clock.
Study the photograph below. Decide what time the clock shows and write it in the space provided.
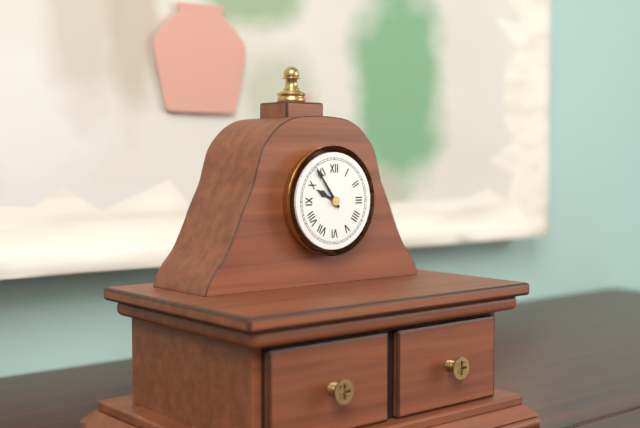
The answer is 9:54
